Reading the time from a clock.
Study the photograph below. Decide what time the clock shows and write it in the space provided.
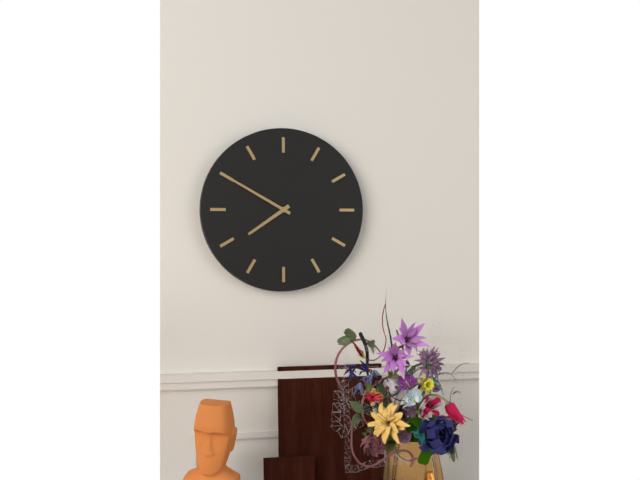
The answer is 7:50
